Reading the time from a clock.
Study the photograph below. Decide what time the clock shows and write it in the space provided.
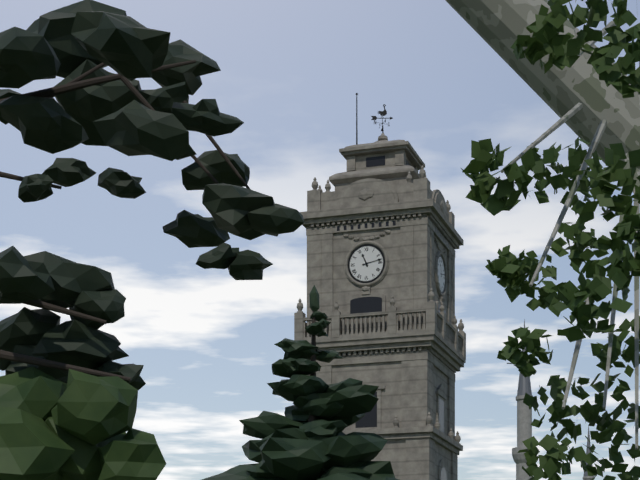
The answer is 11:13
